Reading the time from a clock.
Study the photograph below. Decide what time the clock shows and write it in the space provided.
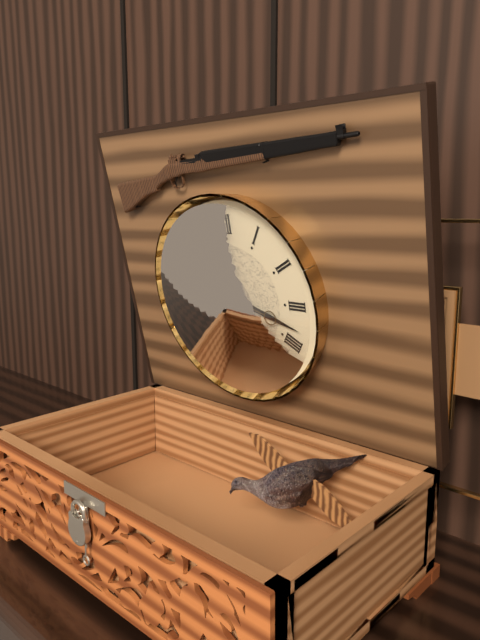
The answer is 8:18:48
